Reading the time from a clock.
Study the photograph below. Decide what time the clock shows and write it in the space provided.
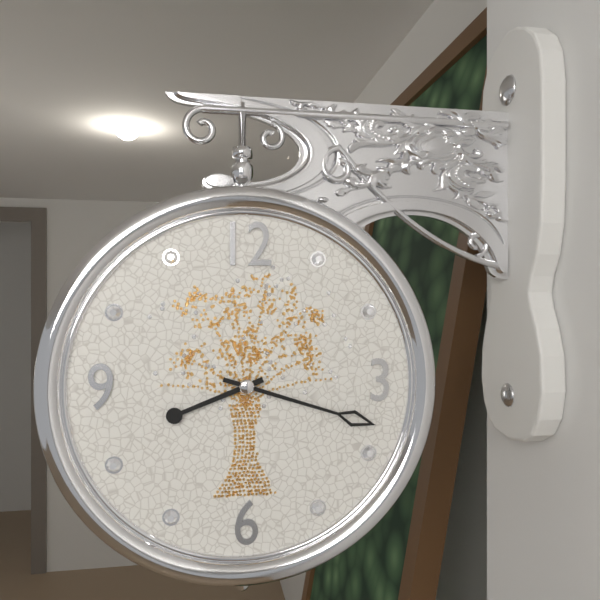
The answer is 8:18
